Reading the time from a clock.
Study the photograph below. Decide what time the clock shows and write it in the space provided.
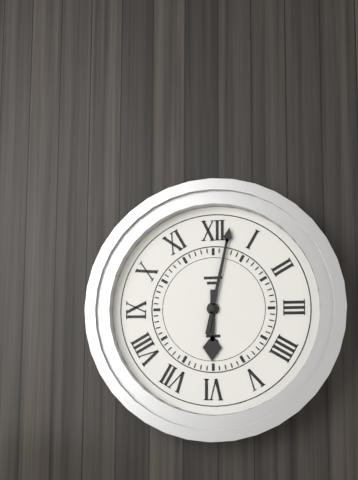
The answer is 6:02
